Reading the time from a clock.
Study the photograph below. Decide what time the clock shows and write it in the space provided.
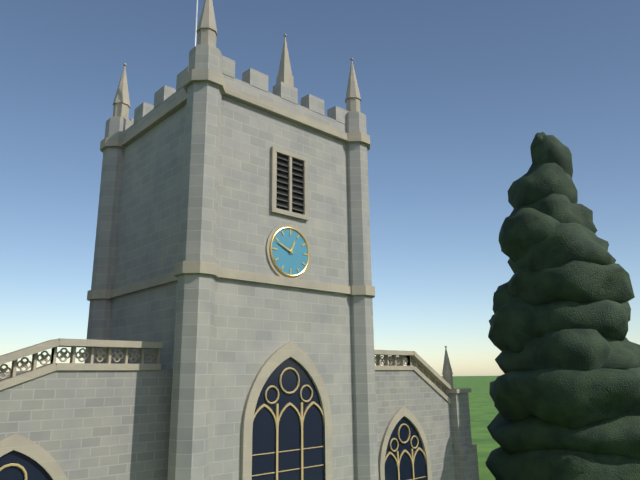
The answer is 12:49
